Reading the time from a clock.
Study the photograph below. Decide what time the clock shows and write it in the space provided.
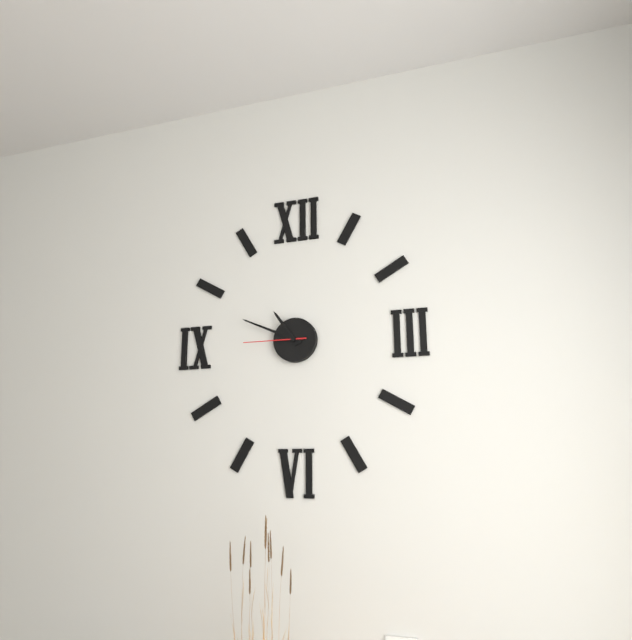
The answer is 10:49:45
